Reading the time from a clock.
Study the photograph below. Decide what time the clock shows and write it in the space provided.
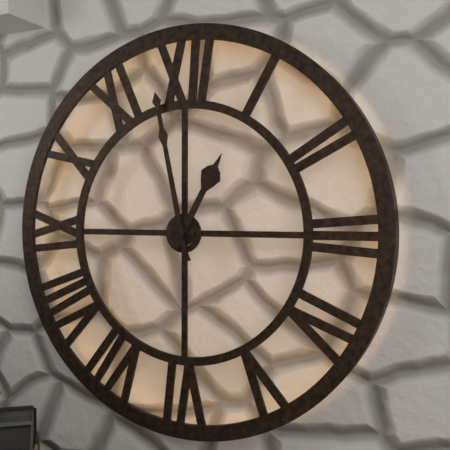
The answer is 12:58
